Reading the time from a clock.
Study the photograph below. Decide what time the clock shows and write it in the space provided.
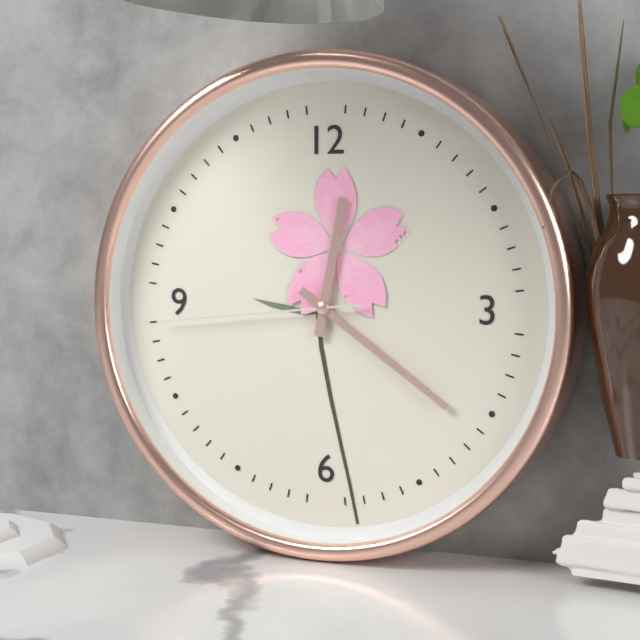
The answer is 12:21:44
